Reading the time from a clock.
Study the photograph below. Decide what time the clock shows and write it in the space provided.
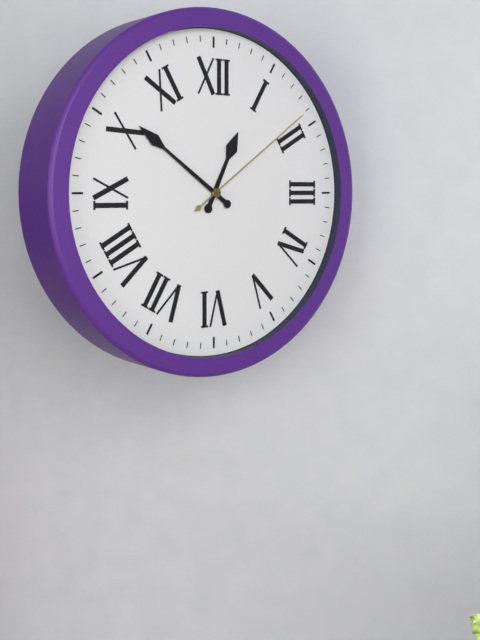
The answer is 12:51:09
